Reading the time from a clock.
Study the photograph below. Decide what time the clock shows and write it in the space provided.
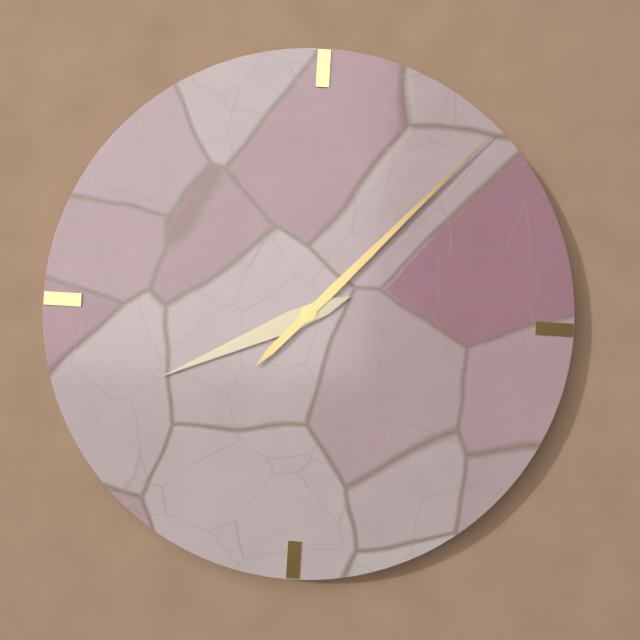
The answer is 8:07
